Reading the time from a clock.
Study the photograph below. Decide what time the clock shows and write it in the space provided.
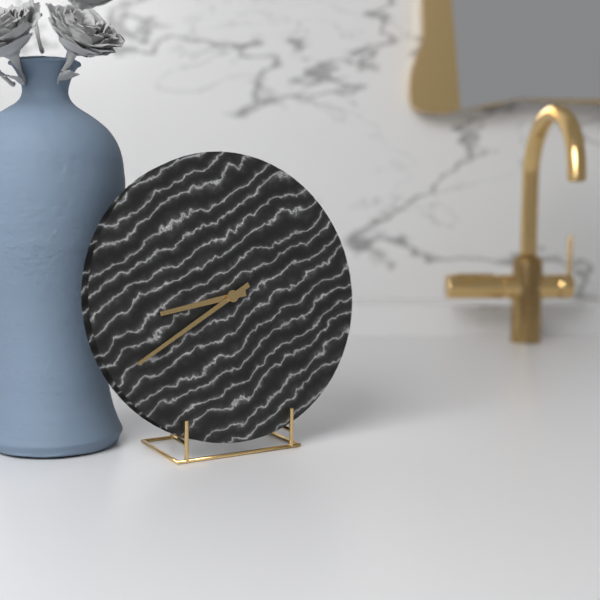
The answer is 8:40
